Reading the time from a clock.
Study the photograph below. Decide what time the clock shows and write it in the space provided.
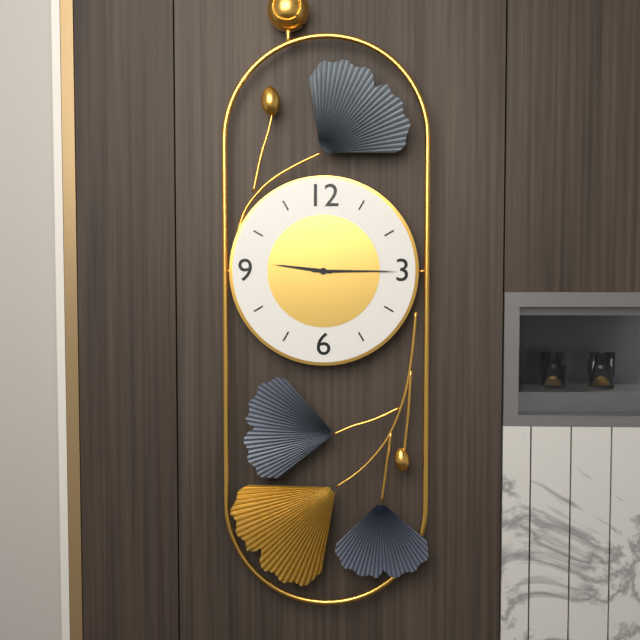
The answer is 9:15
